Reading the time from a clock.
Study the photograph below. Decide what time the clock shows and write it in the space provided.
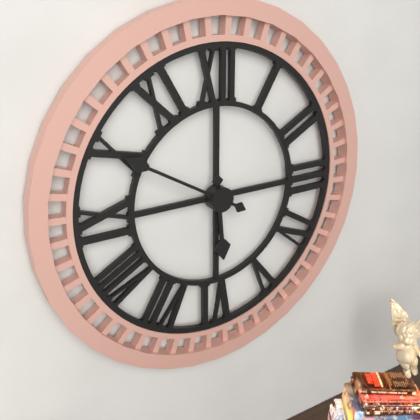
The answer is 5:50
